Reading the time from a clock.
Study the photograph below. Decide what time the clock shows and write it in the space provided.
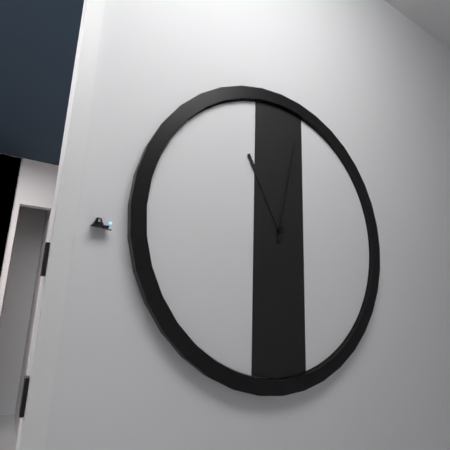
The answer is 11:02
